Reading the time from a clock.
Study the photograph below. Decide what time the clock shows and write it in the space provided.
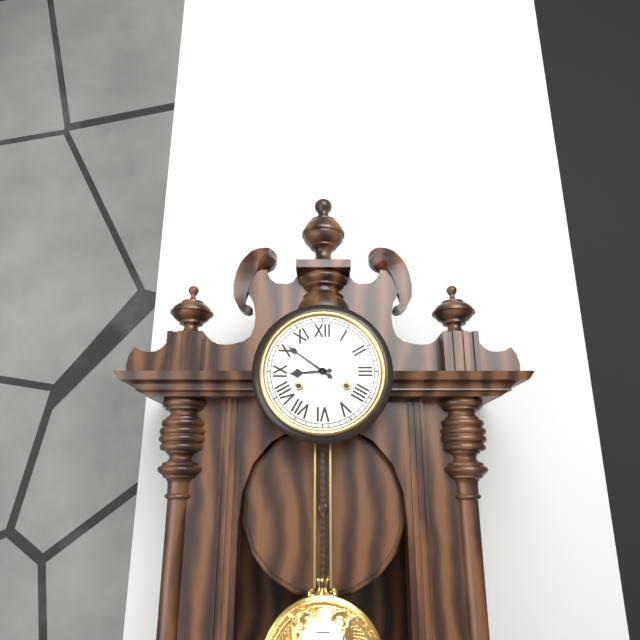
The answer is 8:51
